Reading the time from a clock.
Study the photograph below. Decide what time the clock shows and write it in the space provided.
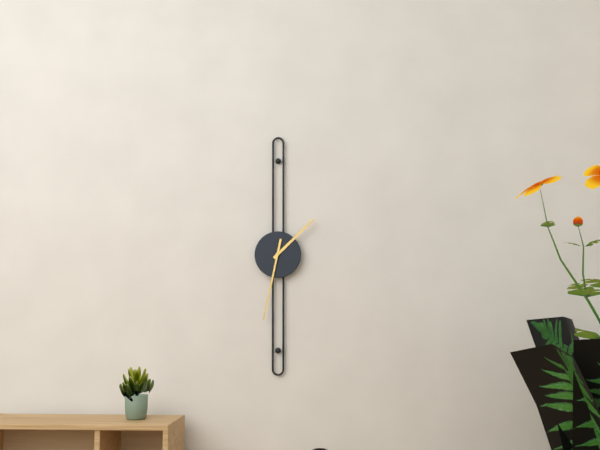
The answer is 1:32
